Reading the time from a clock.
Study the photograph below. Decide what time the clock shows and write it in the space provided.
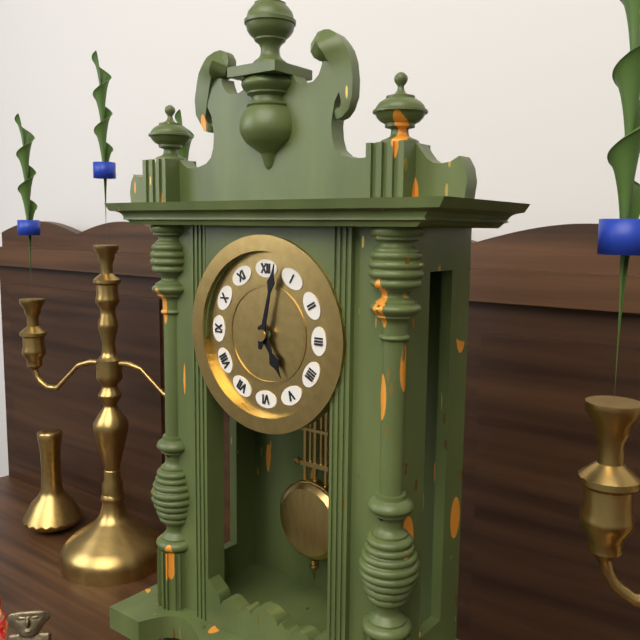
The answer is 5:02
